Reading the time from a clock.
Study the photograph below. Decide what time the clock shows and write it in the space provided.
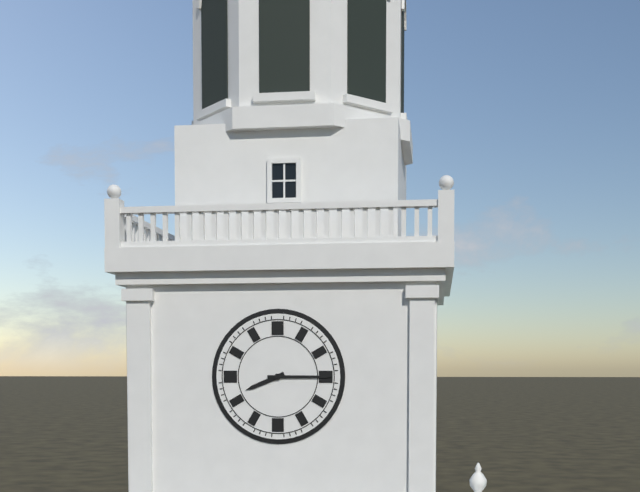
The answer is 8:15
